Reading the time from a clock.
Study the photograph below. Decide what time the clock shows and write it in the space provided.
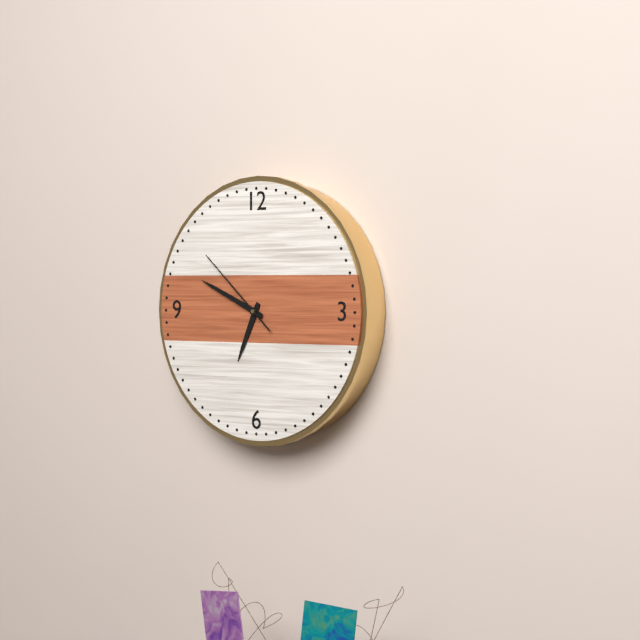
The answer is 6:49:52
